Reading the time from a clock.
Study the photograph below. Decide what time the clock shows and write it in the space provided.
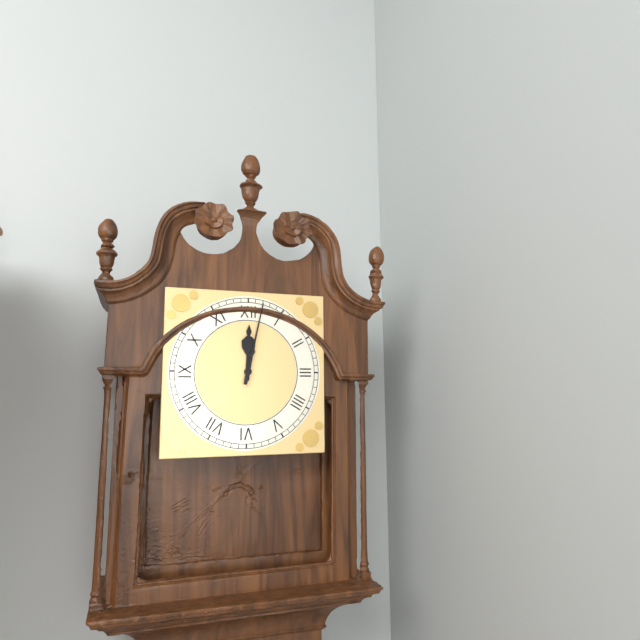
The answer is 12:02
